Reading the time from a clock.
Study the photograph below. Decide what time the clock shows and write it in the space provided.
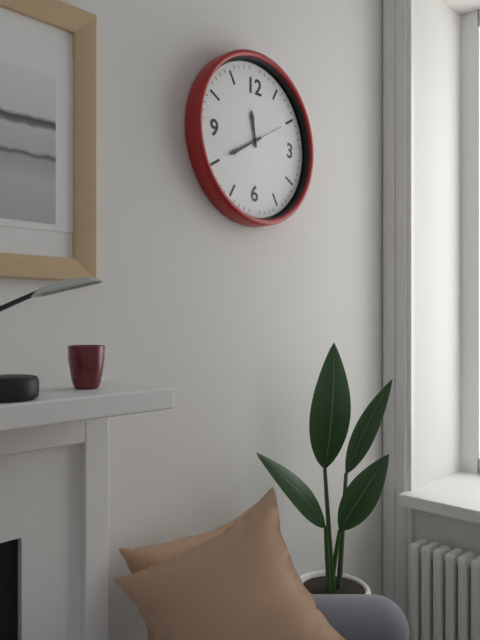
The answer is 11:40
